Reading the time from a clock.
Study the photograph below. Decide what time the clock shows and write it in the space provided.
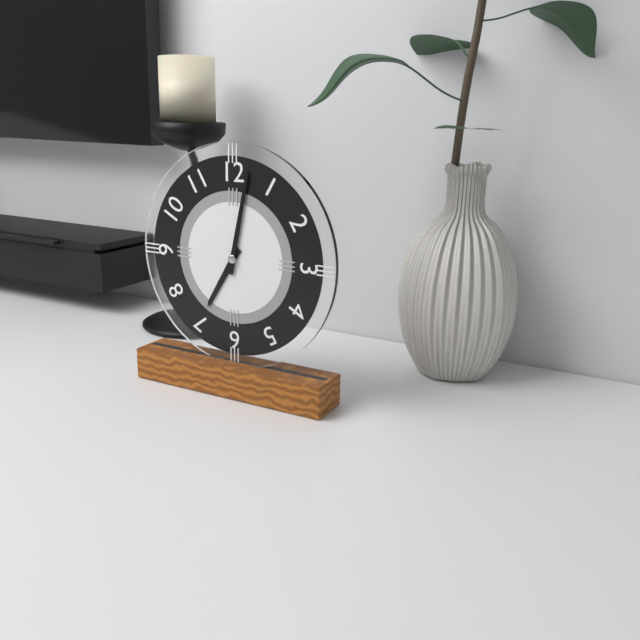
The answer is 7:02
